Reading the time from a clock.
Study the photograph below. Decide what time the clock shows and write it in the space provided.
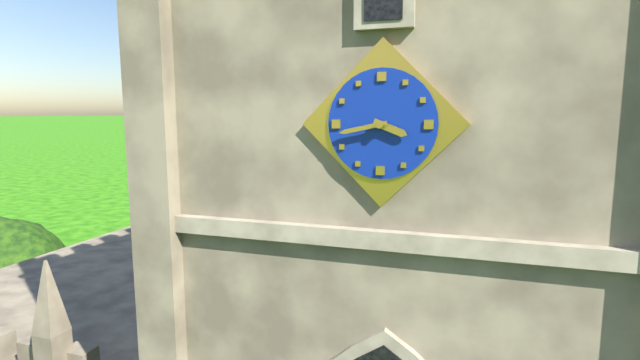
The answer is 3:43
